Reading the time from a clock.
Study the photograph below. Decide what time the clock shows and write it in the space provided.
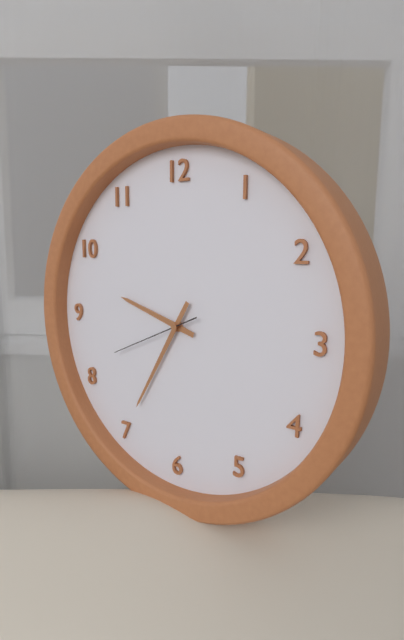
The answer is 9:35:41
